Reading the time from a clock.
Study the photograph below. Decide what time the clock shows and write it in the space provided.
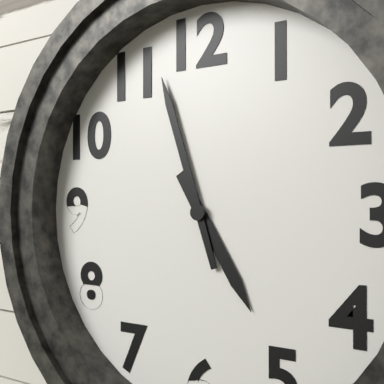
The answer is 4:57
